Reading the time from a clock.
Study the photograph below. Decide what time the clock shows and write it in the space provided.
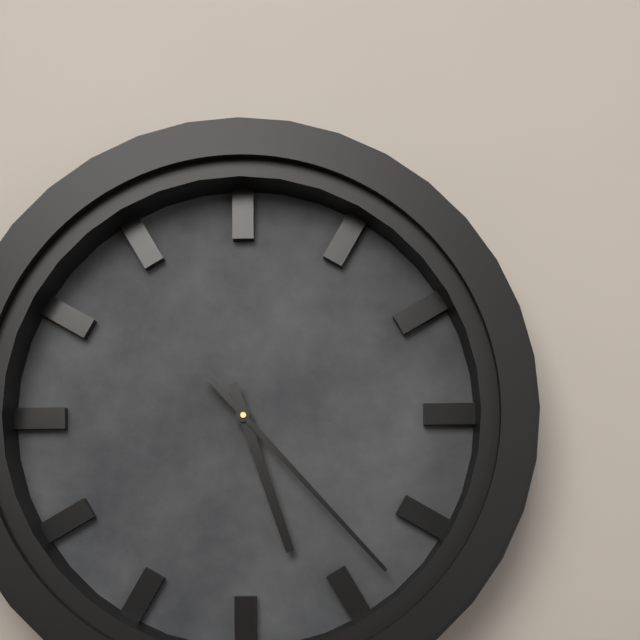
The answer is 5:23
